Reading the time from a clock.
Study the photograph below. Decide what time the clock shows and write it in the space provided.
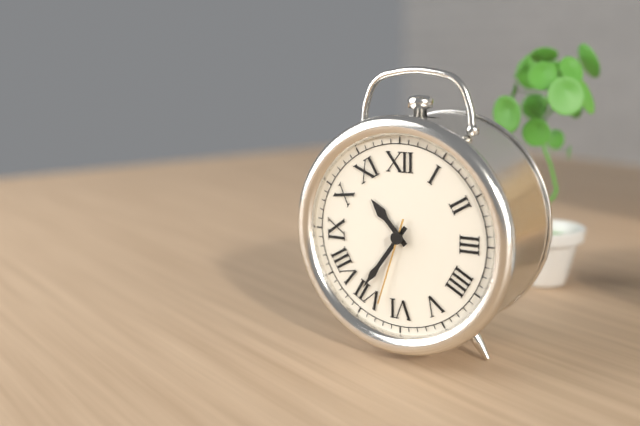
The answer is 10:36:33
